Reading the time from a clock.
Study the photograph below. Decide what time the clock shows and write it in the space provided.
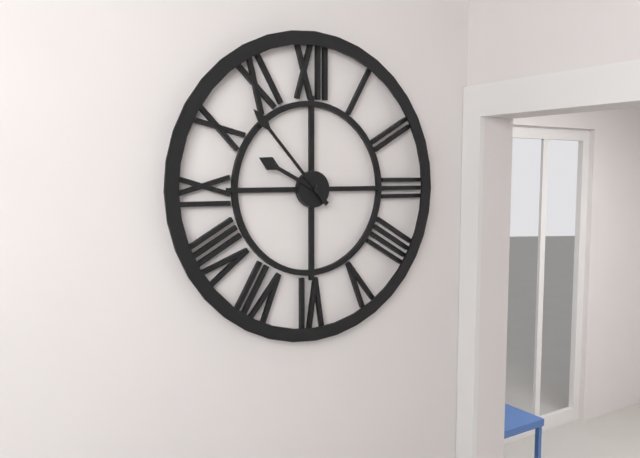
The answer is 9:53
